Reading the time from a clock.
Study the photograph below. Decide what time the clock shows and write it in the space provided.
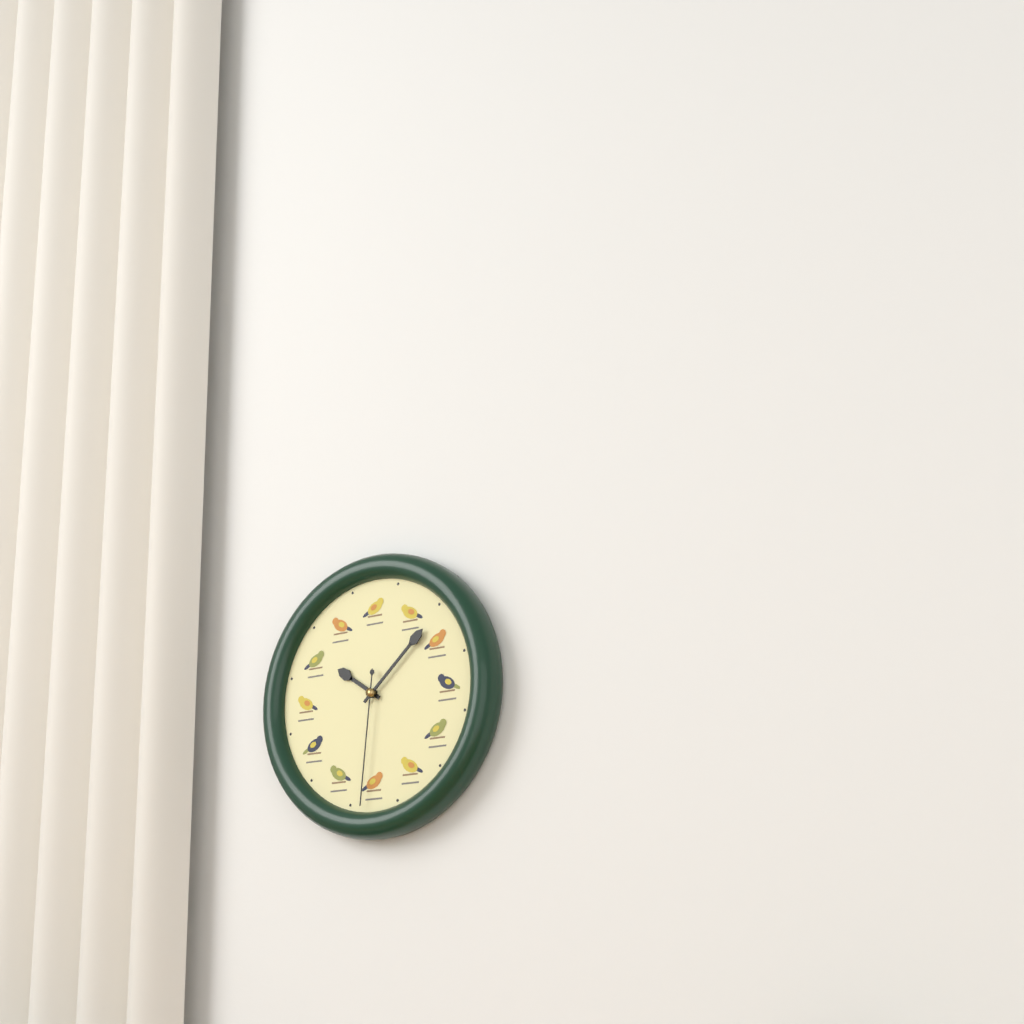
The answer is 10:08:31
